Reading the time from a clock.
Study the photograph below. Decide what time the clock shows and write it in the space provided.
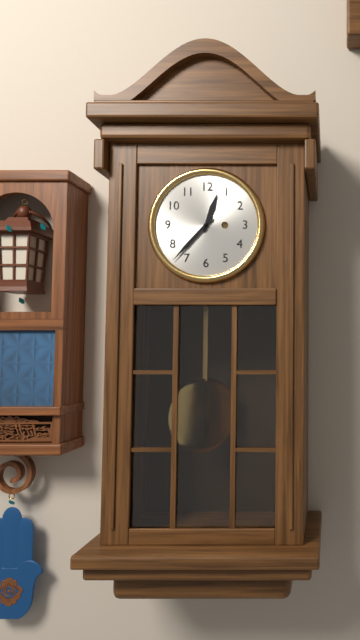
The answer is 12:37
